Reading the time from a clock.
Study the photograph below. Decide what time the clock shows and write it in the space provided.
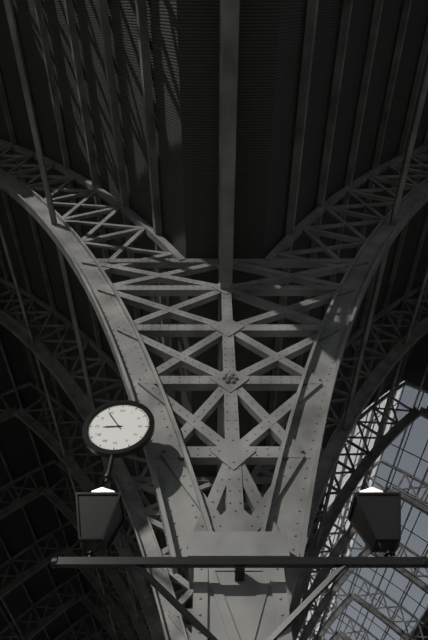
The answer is 8:54
